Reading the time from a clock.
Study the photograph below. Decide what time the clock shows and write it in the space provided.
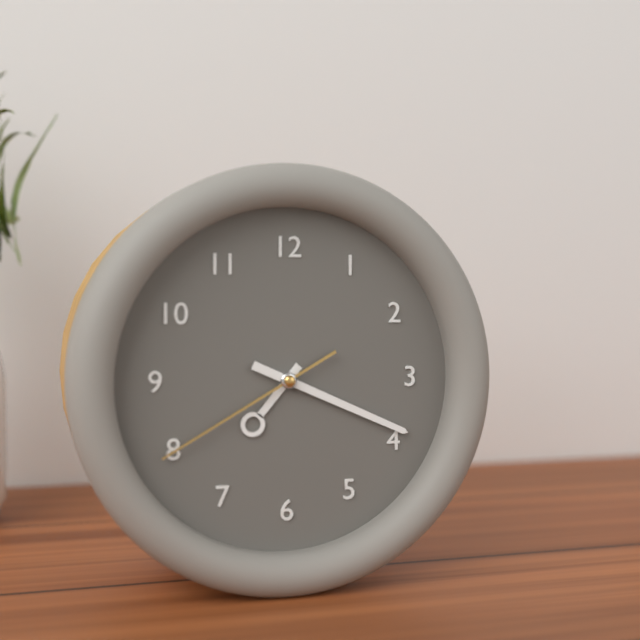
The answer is 7:19:40
